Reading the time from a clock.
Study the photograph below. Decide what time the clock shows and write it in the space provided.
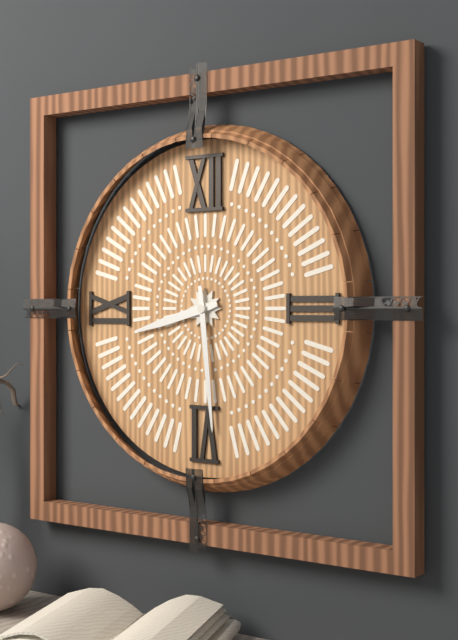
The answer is 8:29
